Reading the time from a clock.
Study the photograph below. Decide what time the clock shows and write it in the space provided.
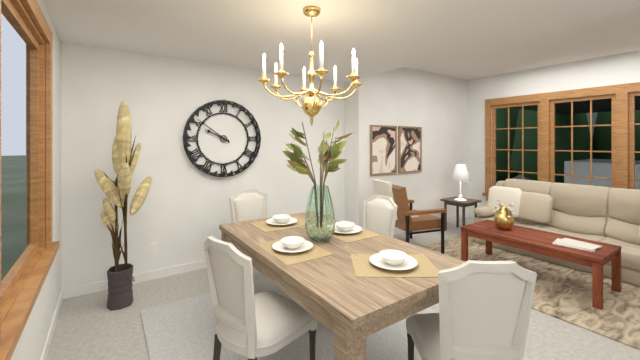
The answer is 9:51
